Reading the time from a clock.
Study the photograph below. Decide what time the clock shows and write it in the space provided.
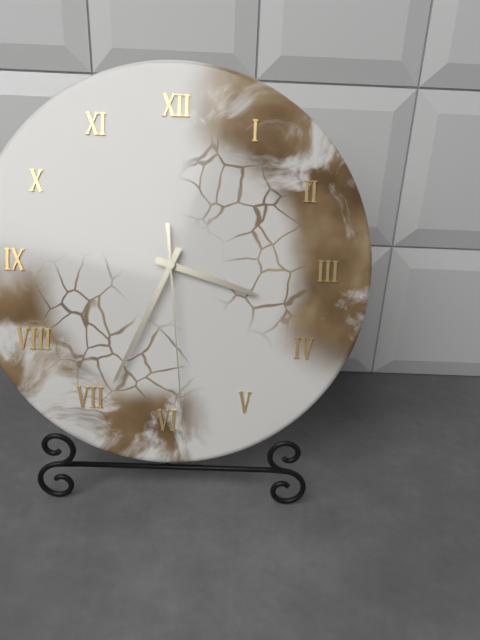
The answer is 3:34:29
